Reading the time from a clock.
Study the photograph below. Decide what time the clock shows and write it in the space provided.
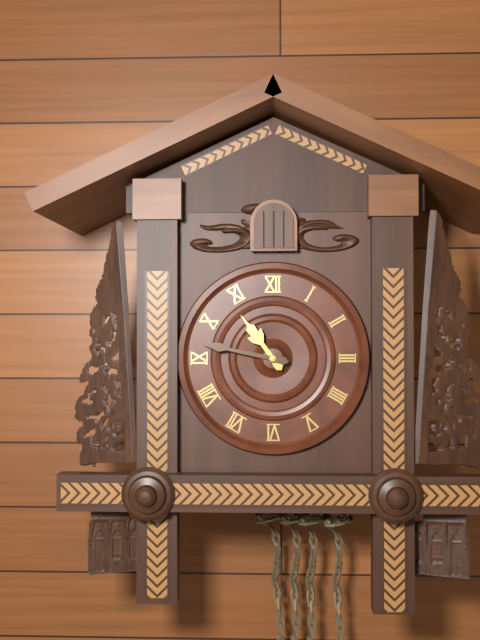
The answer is 10:47
